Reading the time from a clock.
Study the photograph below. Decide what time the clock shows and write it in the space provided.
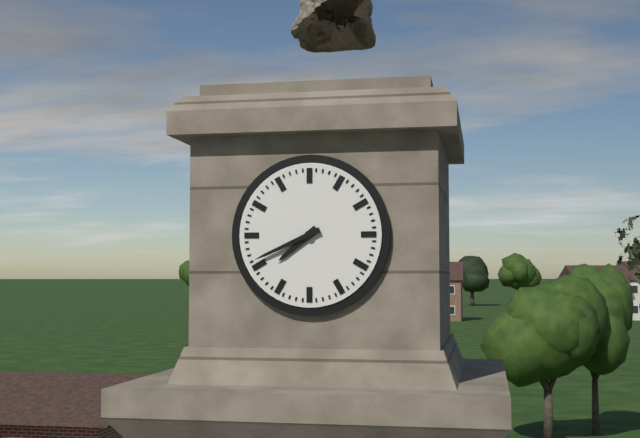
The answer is 7:41
